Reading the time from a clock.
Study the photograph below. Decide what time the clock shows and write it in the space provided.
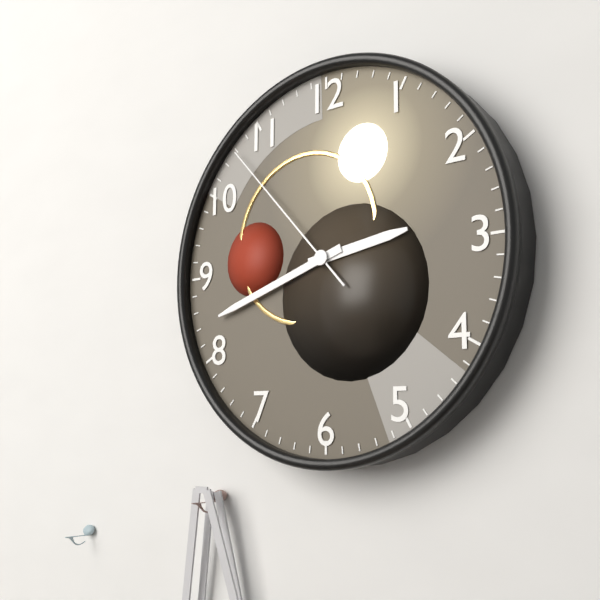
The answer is 2:42:53
